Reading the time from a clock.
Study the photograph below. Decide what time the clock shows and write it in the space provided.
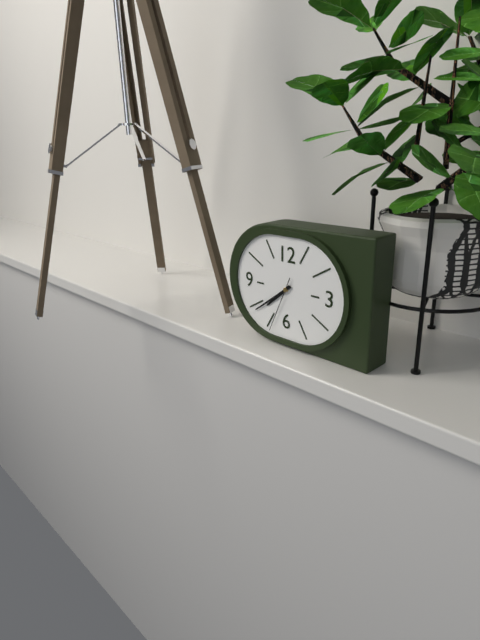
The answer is 7:39:34
